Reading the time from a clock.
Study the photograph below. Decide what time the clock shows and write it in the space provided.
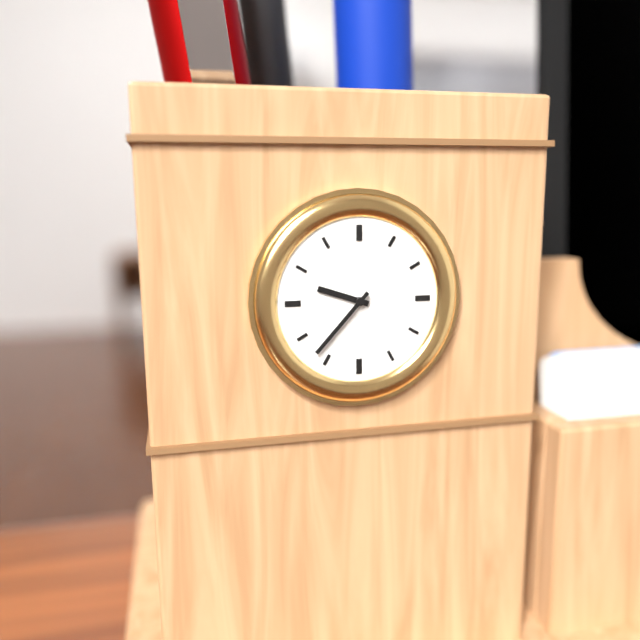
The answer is 9:37
